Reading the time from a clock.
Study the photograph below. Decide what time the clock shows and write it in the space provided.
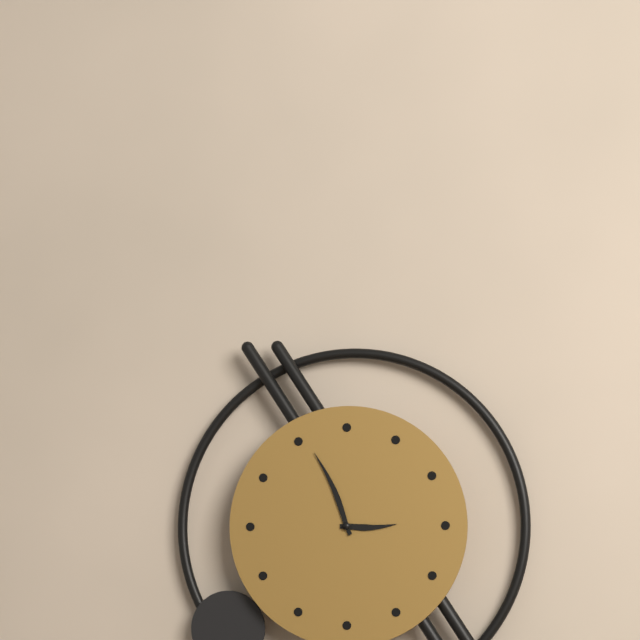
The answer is 2:56
